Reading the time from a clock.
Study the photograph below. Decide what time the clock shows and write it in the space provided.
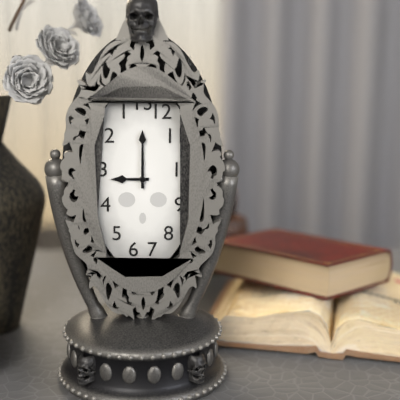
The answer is 9:00
